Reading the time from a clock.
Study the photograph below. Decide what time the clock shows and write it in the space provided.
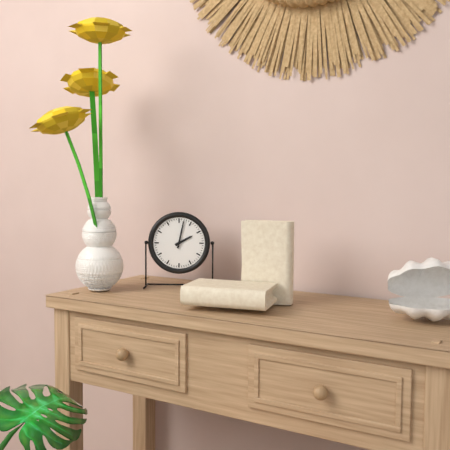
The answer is 2:02
